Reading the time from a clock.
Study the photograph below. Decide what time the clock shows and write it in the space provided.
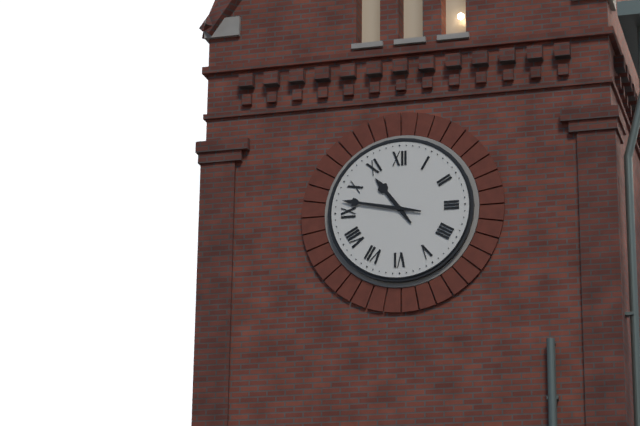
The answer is 10:47
